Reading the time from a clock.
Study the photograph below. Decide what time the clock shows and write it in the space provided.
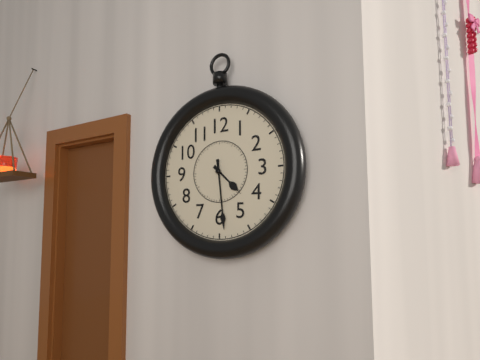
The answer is 4:29
